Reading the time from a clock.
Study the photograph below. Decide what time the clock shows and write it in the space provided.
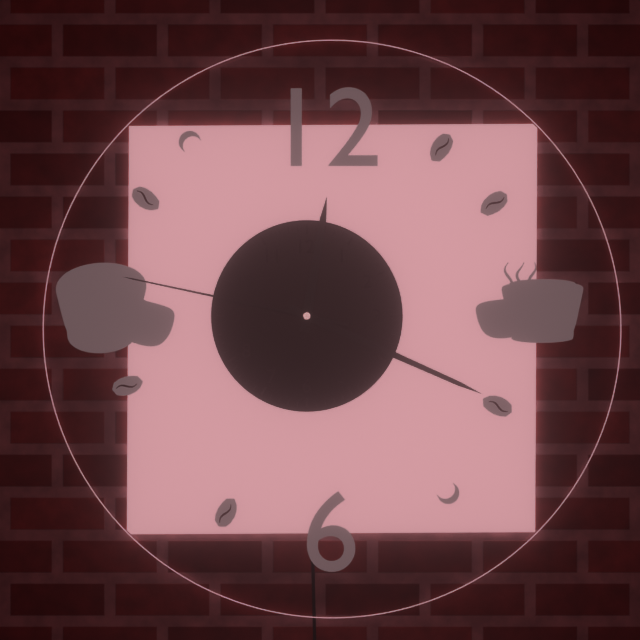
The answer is 12:19:47
